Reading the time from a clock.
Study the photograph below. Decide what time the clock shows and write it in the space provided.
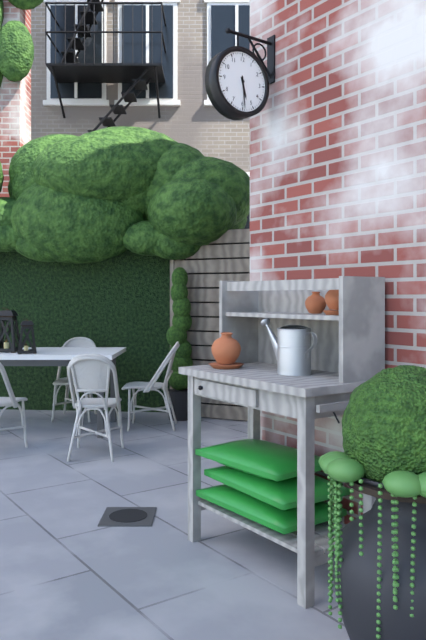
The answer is 5:29
